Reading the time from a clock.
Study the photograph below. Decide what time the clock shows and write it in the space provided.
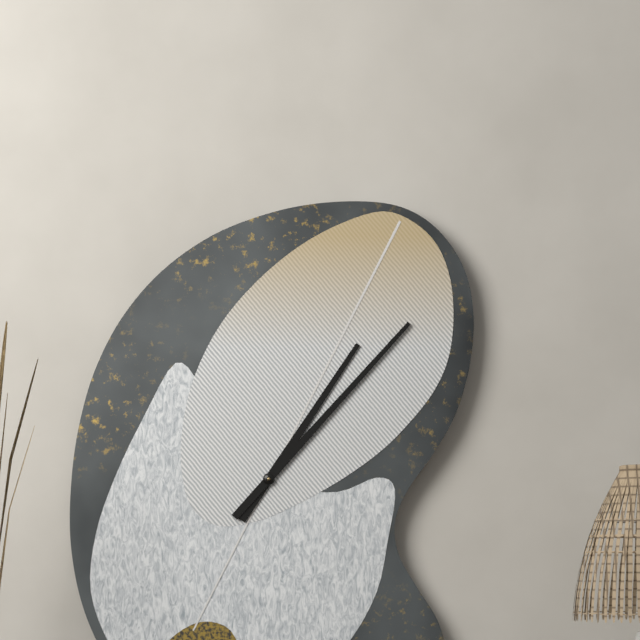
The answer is 1:07
